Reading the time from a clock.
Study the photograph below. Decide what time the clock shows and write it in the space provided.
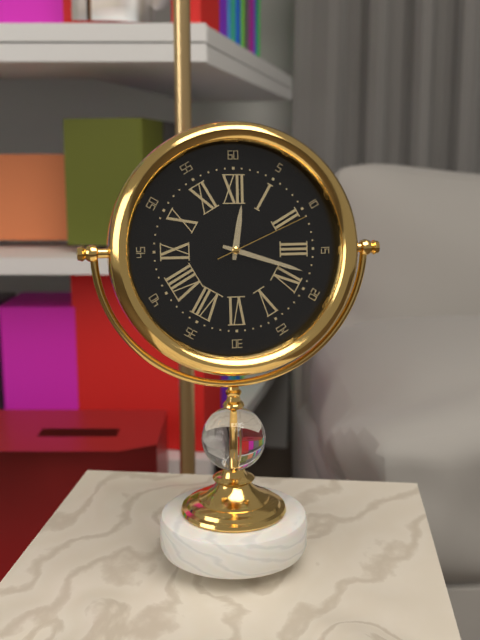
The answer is 12:18:11
